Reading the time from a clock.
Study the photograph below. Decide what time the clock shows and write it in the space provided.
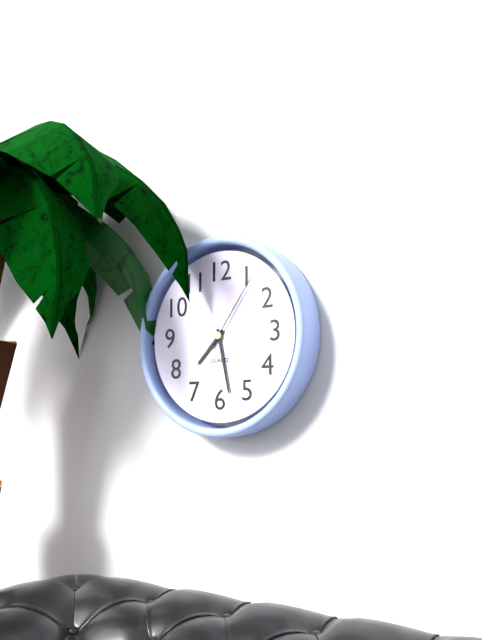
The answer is 7:28:06
